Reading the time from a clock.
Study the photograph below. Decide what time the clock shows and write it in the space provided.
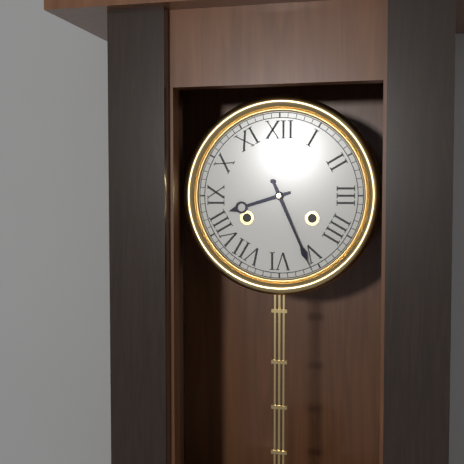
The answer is 8:26
